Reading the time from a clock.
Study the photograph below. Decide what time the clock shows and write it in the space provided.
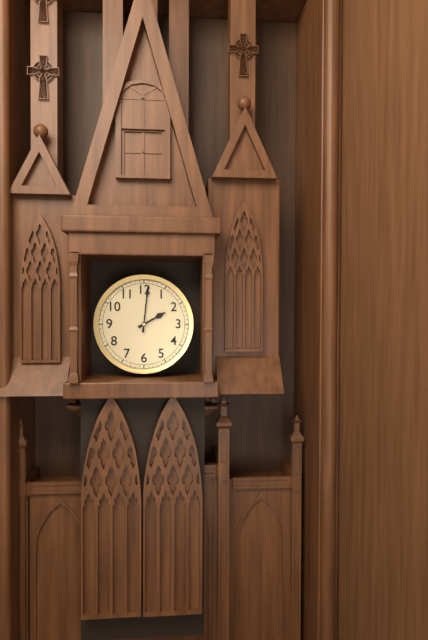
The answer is 2:01
